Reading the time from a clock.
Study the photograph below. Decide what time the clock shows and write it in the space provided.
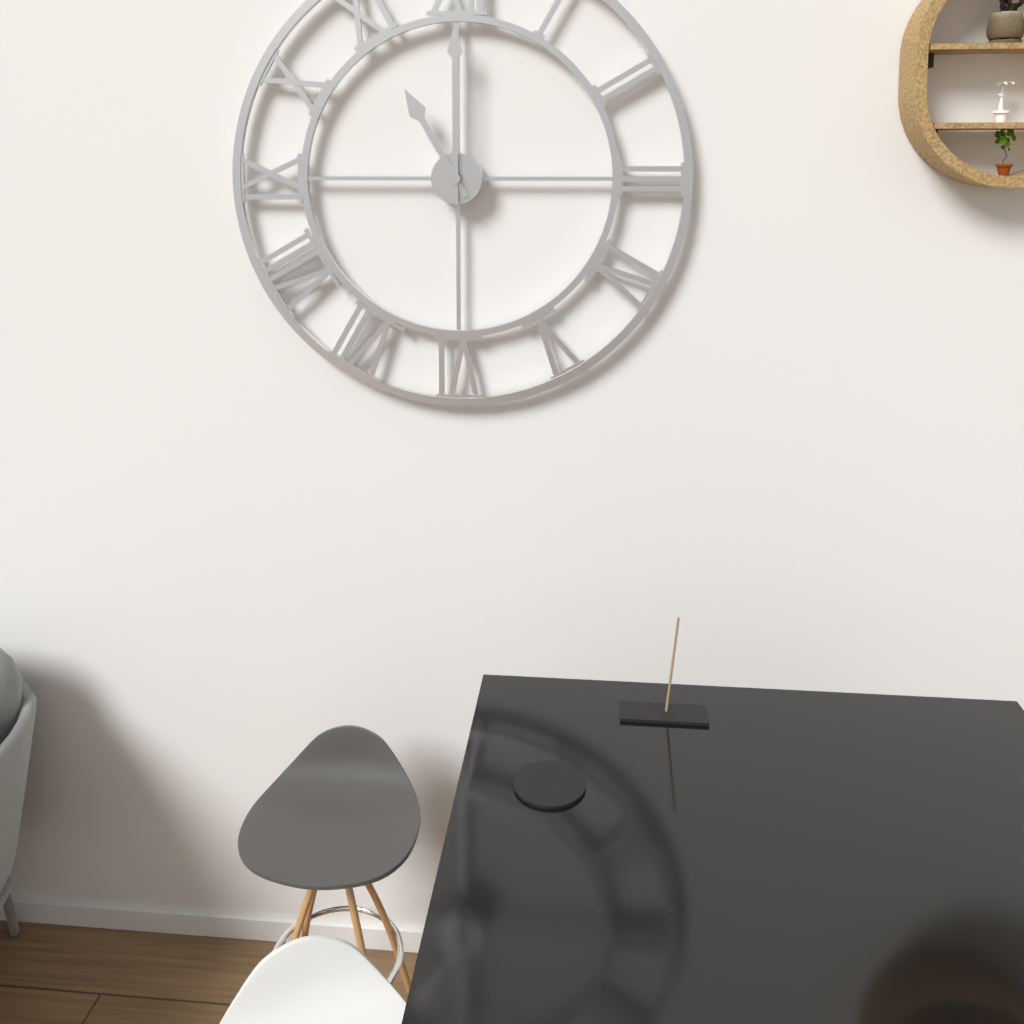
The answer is 11:00
